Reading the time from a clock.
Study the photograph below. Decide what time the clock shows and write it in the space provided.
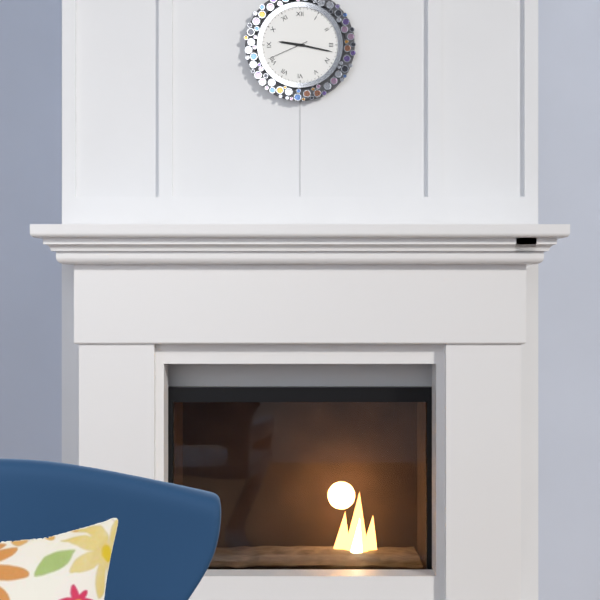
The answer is 9:17
